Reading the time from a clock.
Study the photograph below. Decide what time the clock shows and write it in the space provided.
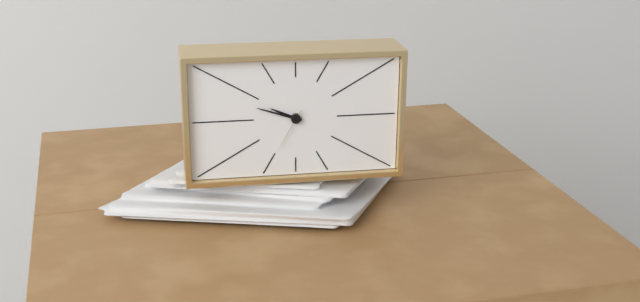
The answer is 9:48
